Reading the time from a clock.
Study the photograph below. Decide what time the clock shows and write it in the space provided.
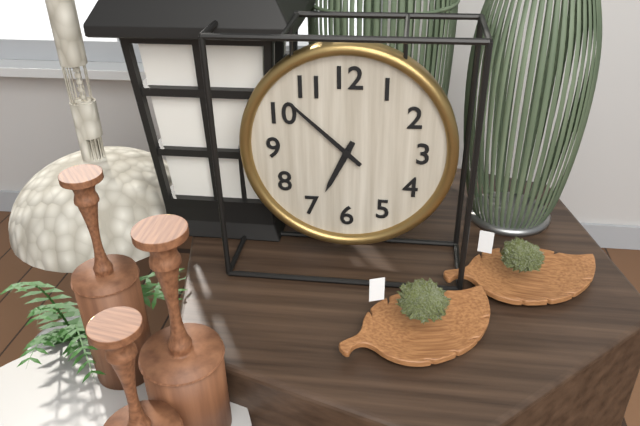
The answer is 6:52
